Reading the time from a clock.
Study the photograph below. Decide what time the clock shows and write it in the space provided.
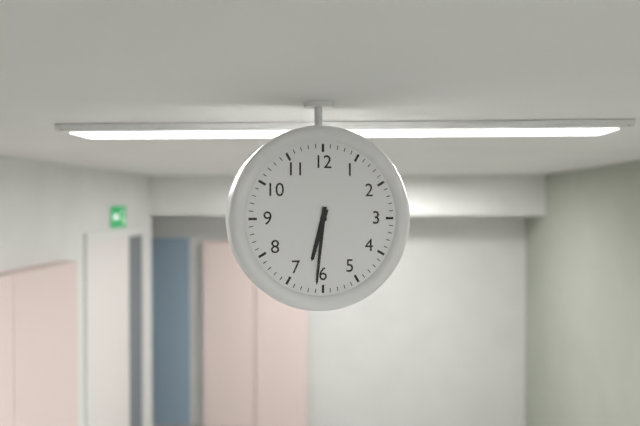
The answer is 6:31
